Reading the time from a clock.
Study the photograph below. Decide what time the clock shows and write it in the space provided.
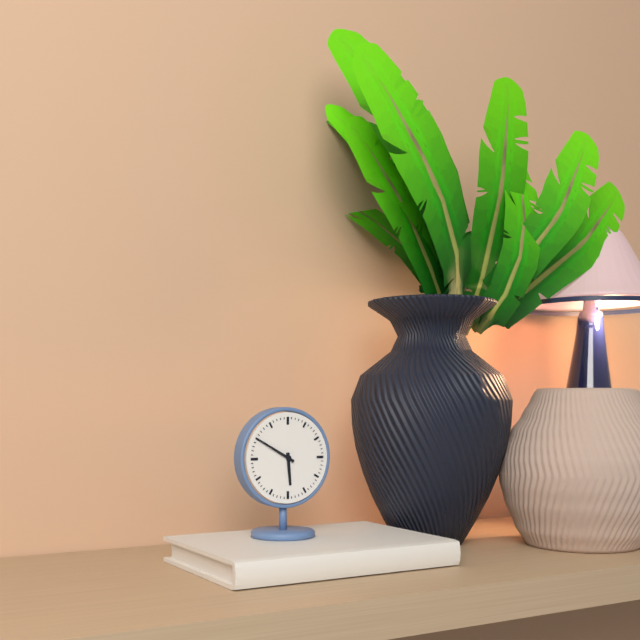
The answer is 5:50
